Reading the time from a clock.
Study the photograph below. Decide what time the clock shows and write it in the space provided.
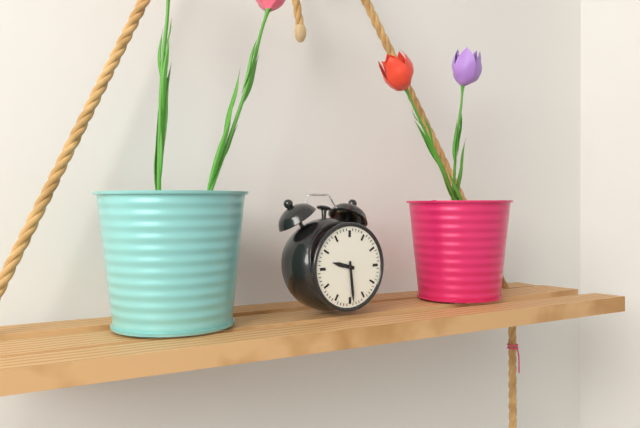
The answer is 9:29
